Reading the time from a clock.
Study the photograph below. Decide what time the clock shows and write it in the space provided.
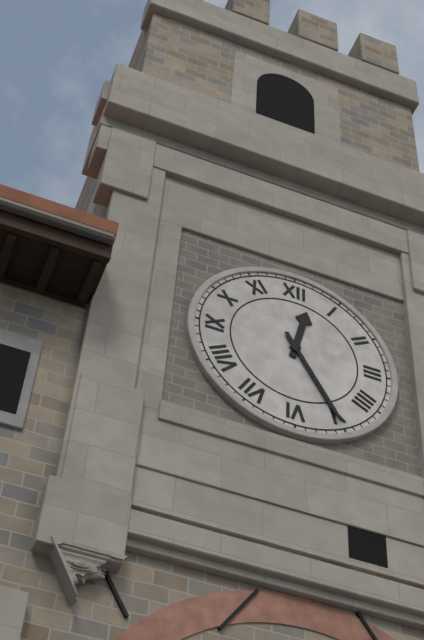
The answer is 12:25
